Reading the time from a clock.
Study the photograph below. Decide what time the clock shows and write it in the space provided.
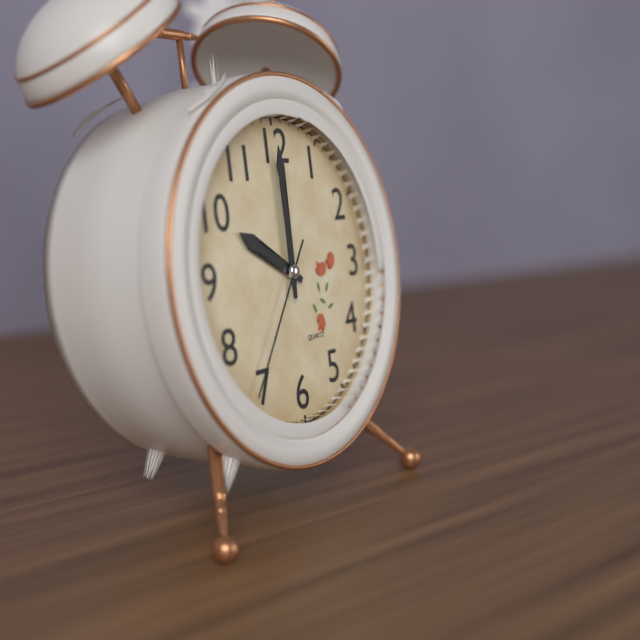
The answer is 10:00:36
